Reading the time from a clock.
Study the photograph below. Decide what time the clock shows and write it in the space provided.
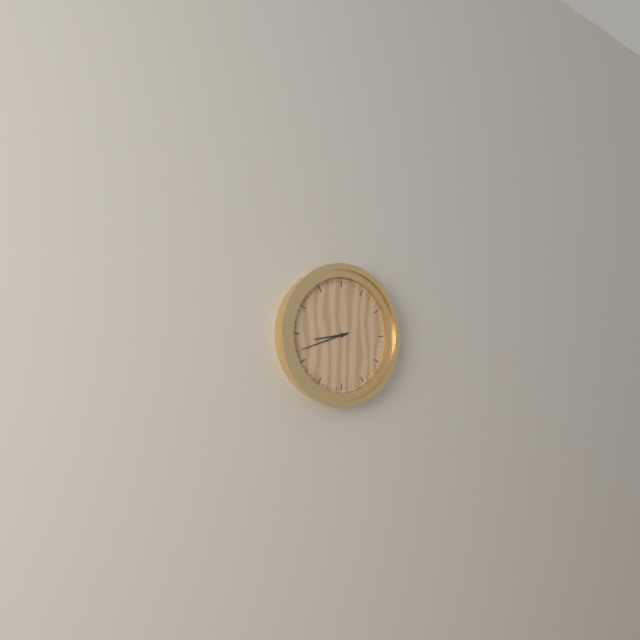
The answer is 8:42
